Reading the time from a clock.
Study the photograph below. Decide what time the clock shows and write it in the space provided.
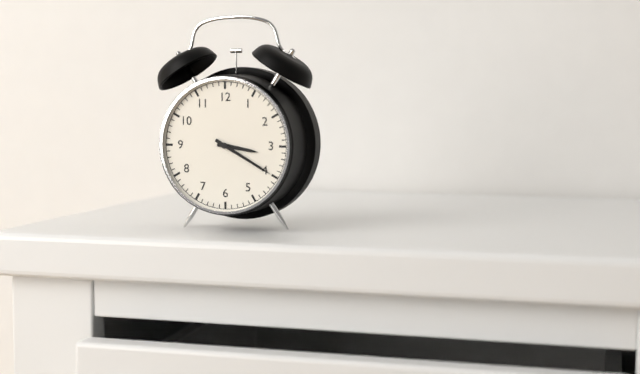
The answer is 3:20
